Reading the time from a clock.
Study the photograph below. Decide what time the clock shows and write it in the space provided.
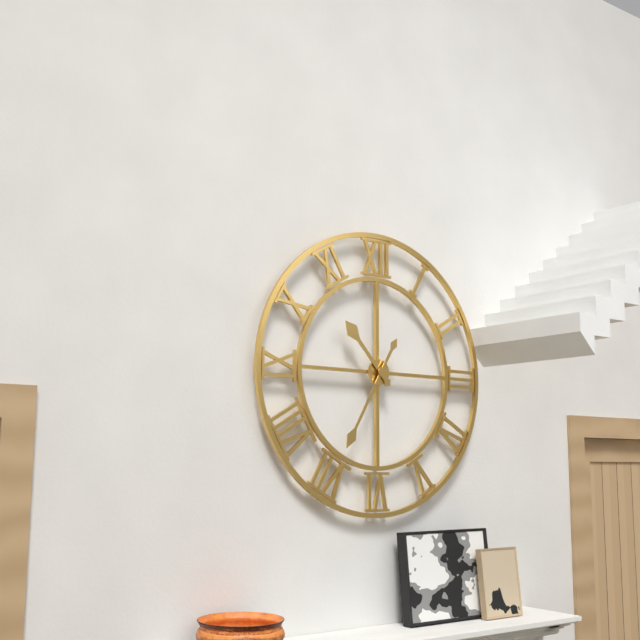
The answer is 10:35
